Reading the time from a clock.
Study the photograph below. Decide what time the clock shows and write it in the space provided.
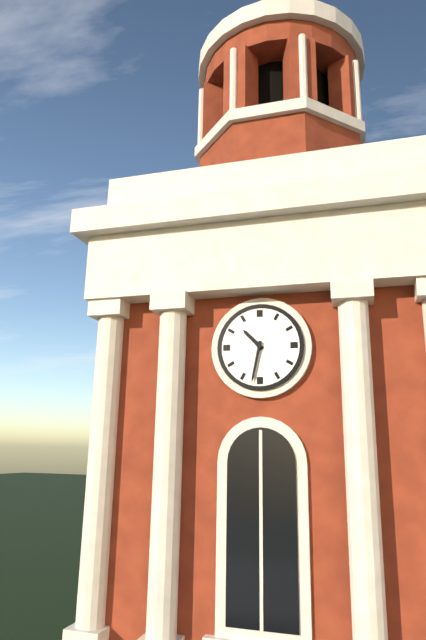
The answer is 10:32
